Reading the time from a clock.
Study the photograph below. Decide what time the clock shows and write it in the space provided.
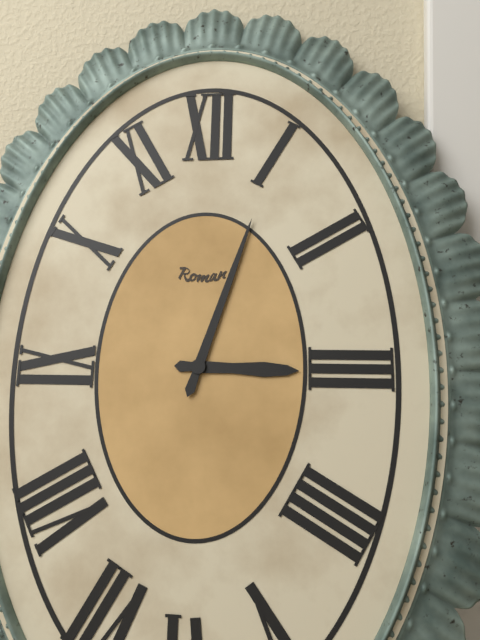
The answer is 3:03
